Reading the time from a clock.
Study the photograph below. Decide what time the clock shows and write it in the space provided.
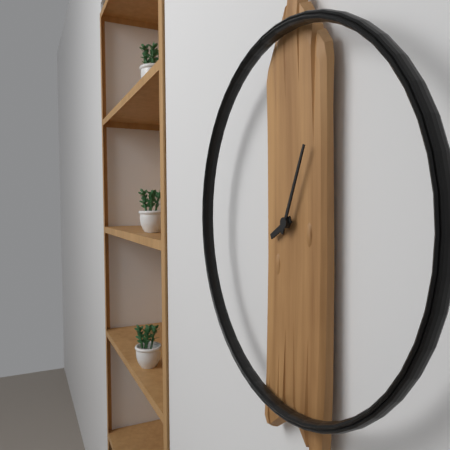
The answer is 8:04
